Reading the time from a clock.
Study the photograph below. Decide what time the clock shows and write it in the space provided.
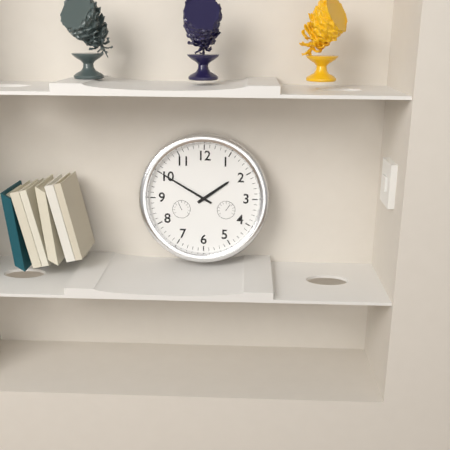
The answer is 1:50
